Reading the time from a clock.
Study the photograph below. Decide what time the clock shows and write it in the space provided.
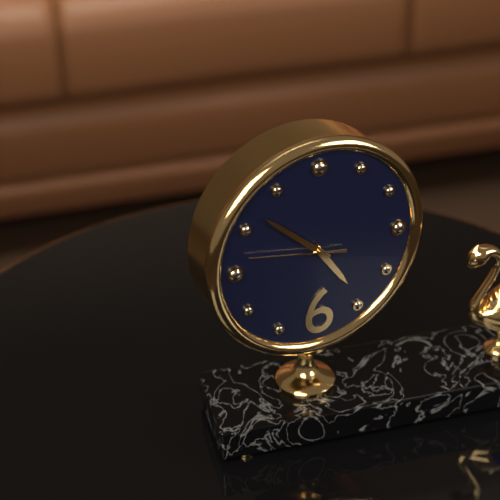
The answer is 4:52:47
